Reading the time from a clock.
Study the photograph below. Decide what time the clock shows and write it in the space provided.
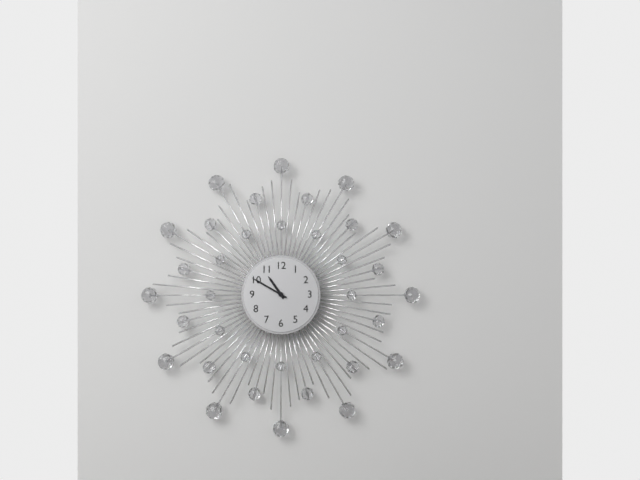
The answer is 10:50
